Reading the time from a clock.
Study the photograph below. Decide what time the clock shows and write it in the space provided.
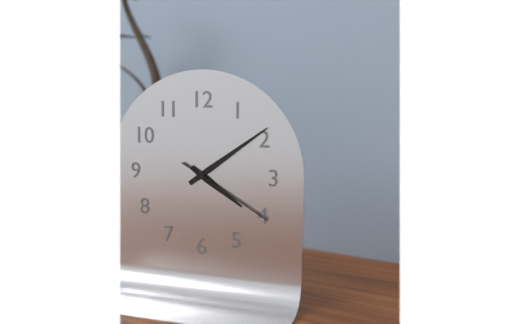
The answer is 4:09:20
